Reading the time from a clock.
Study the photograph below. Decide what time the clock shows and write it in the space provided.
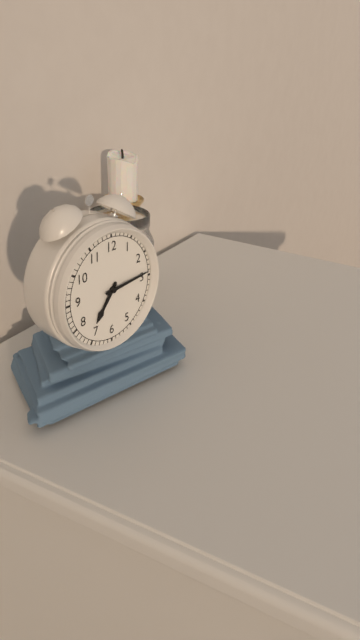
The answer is 7:14
